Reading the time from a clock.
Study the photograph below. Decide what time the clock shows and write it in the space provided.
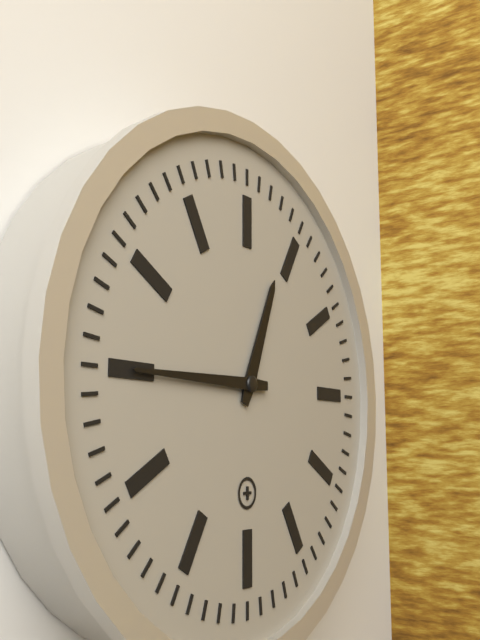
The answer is 12:45
